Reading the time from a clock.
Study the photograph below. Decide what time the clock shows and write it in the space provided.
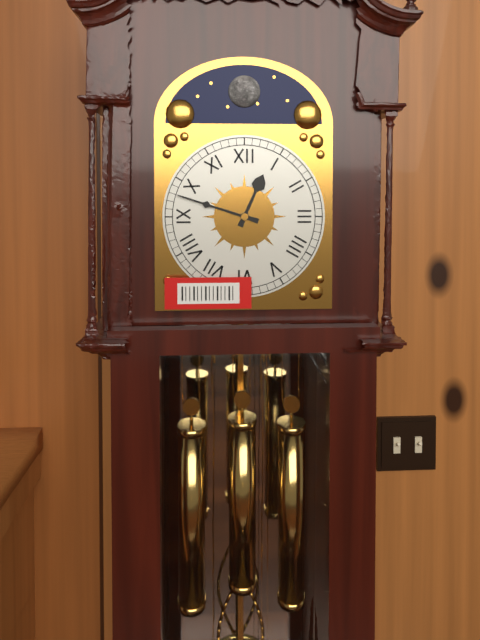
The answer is 12:48
